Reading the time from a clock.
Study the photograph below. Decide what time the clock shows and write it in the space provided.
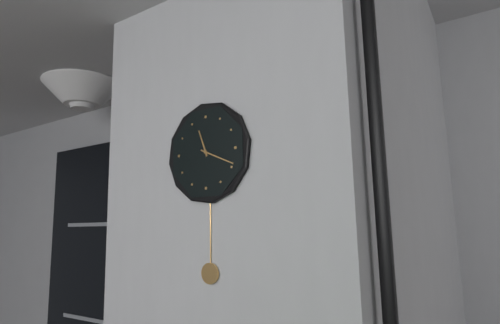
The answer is 11:19
